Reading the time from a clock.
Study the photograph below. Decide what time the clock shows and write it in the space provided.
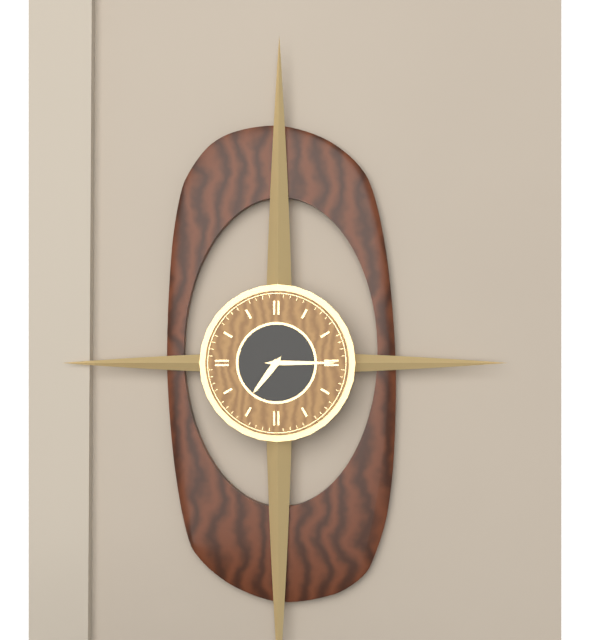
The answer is 7:15
